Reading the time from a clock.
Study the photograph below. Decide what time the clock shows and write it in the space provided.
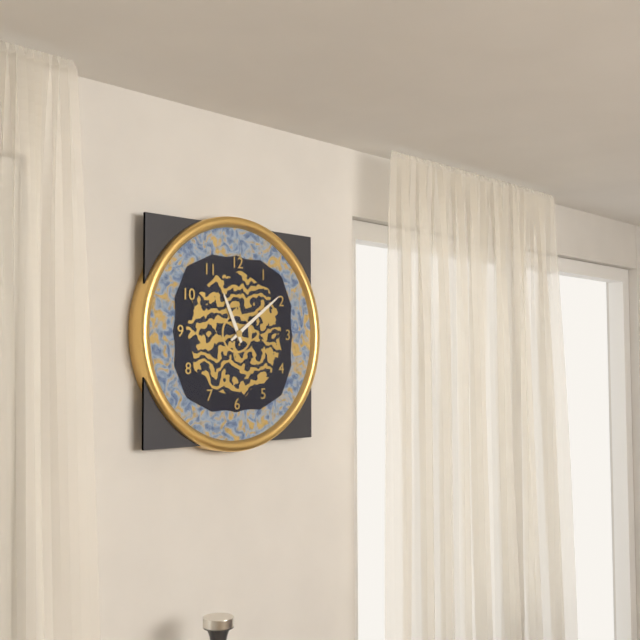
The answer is 11:09
